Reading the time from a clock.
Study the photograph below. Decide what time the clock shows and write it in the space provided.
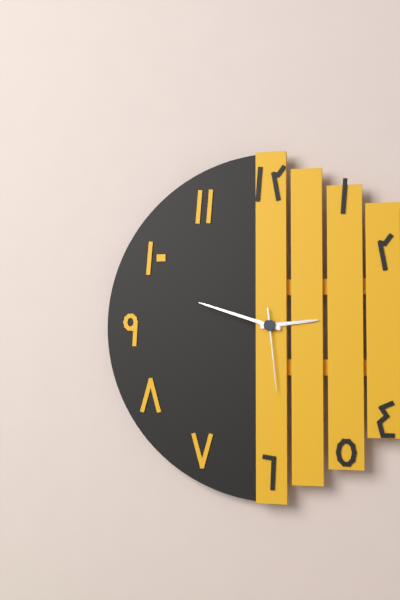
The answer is 2:48:29
